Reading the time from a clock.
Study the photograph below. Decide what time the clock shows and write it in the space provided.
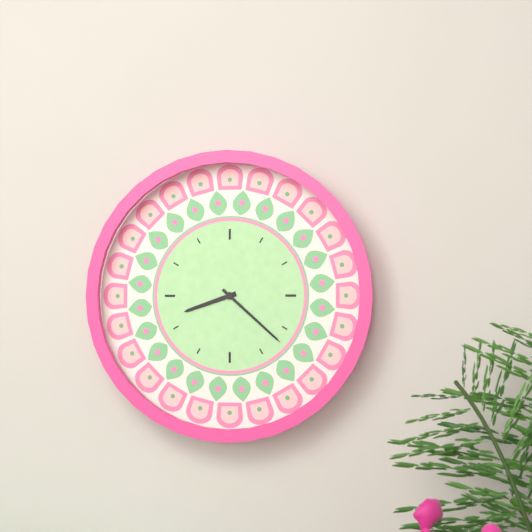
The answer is 8:22
